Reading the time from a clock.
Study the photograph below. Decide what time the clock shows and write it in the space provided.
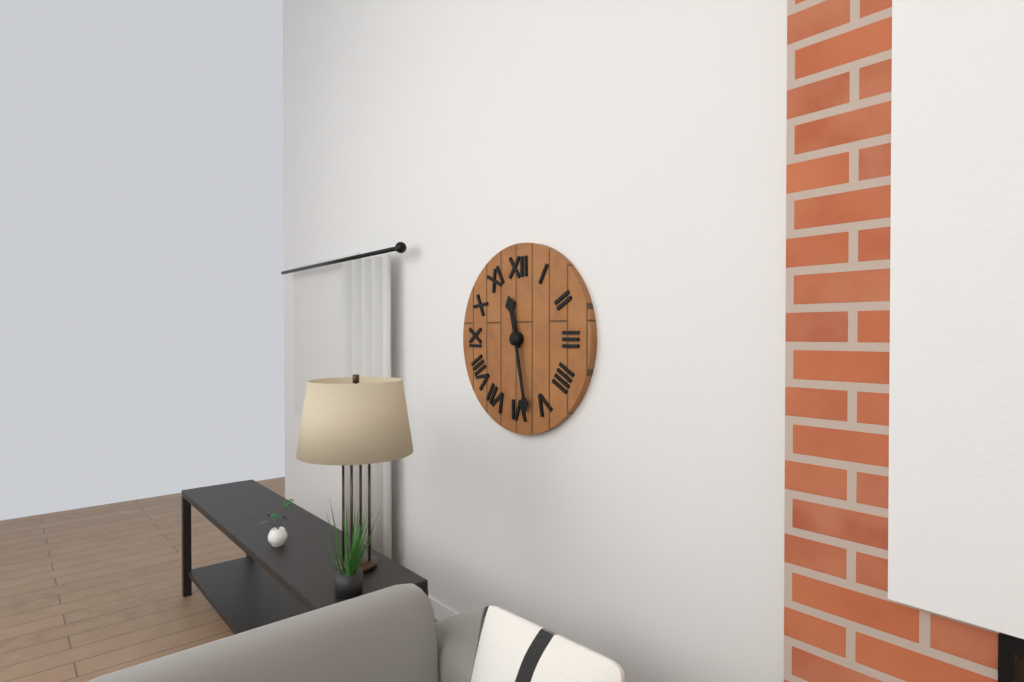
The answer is 11:28
